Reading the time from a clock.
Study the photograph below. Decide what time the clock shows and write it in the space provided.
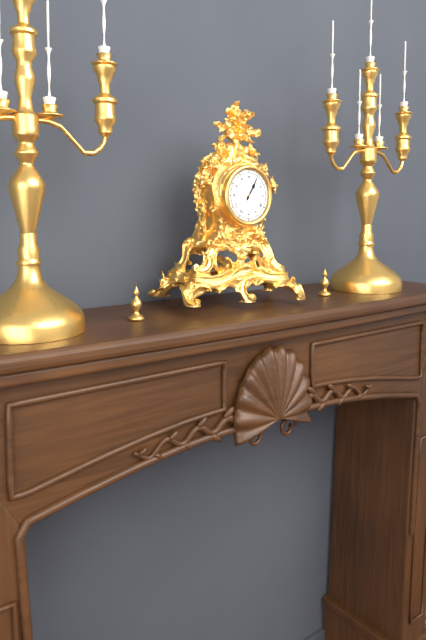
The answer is 1:05
